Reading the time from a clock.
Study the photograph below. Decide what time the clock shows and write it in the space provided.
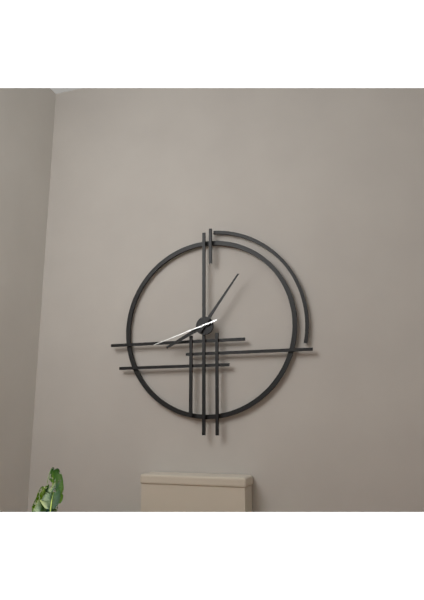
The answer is 8:06:42
